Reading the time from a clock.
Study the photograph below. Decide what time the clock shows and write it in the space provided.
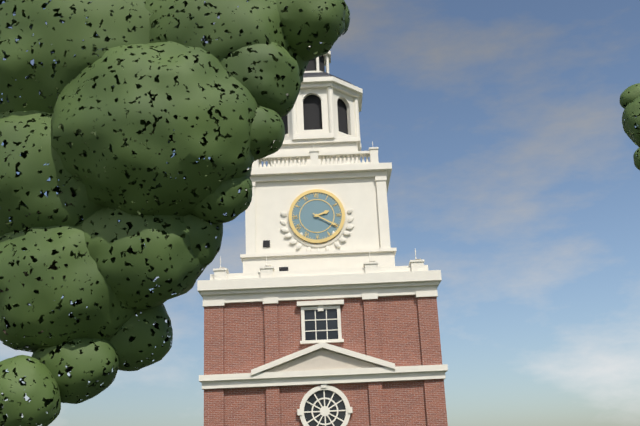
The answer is 2:20
